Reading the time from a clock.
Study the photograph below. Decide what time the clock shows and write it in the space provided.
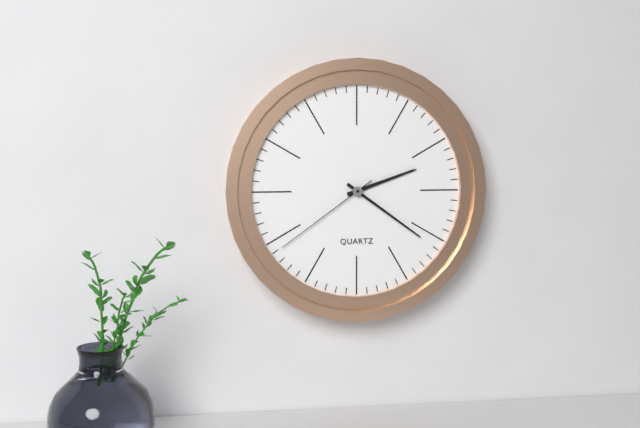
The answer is 2:21:39
